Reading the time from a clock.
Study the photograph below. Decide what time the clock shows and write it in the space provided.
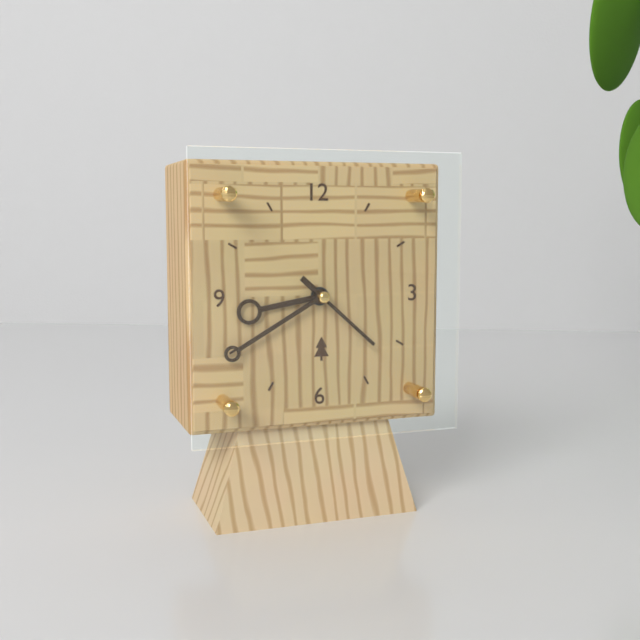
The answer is 8:40:22
